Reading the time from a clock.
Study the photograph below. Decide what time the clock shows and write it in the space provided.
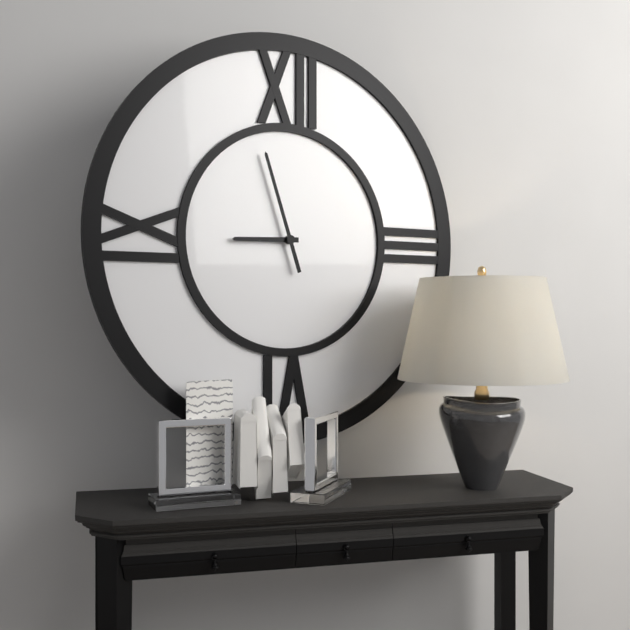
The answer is 8:57
